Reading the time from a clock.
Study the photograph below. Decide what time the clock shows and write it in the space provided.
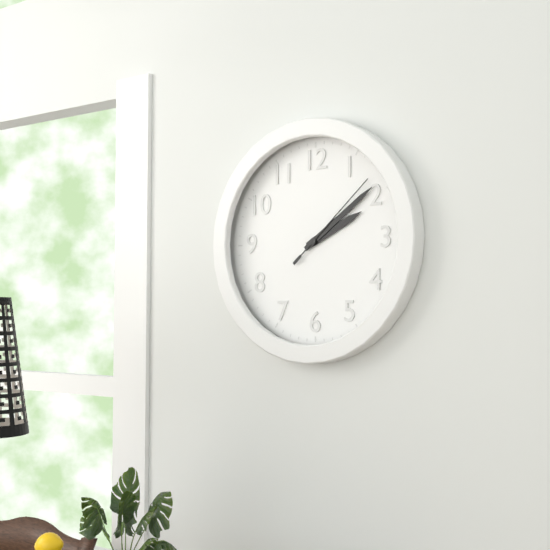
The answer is 2:09:08
